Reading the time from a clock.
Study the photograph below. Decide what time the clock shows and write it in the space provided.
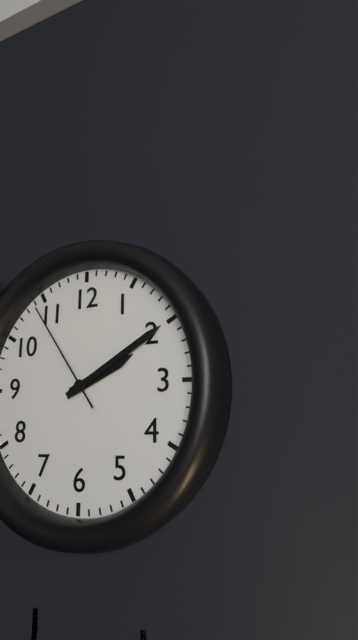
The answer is 2:10:54
